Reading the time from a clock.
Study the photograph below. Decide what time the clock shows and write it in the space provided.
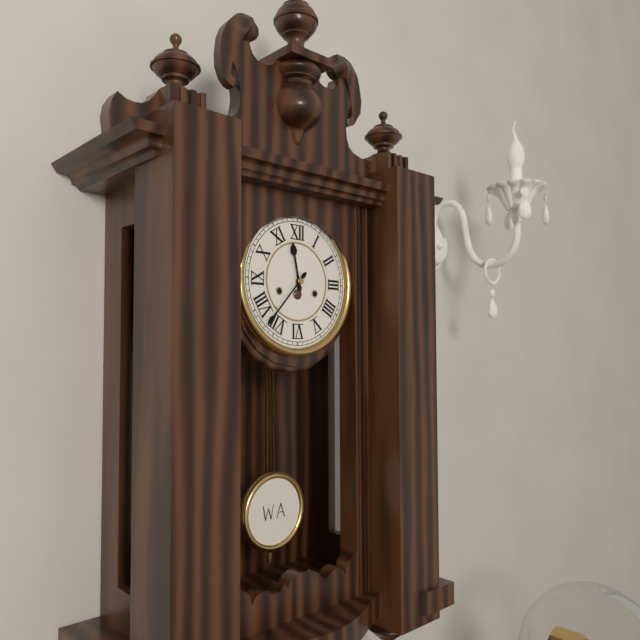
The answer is 11:37
